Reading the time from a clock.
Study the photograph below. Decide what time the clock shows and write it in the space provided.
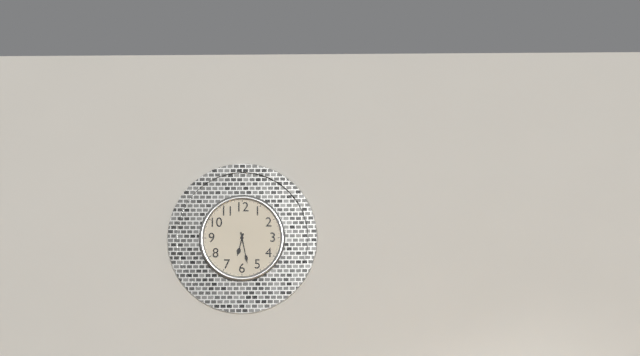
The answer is 6:28
